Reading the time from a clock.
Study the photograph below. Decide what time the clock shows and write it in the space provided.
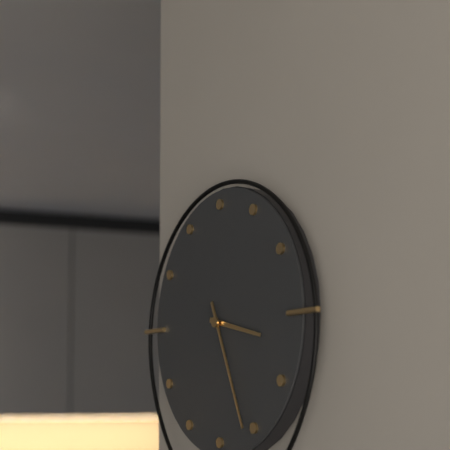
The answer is 3:26
